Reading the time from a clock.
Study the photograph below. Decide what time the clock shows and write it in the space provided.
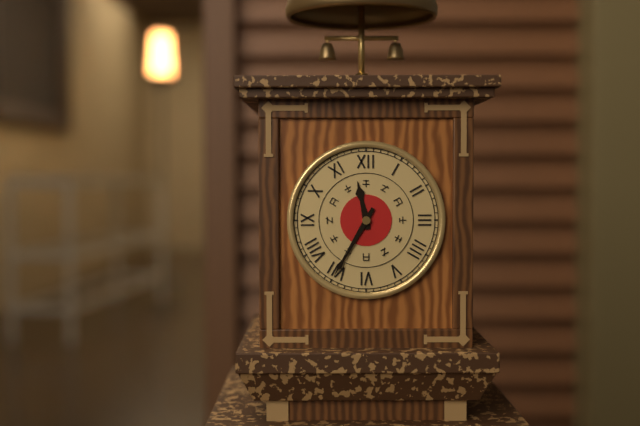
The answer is 11:35
